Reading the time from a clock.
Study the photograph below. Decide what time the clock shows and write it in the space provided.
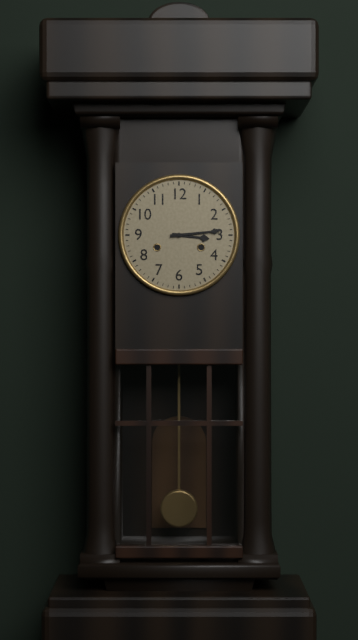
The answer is 3:14
